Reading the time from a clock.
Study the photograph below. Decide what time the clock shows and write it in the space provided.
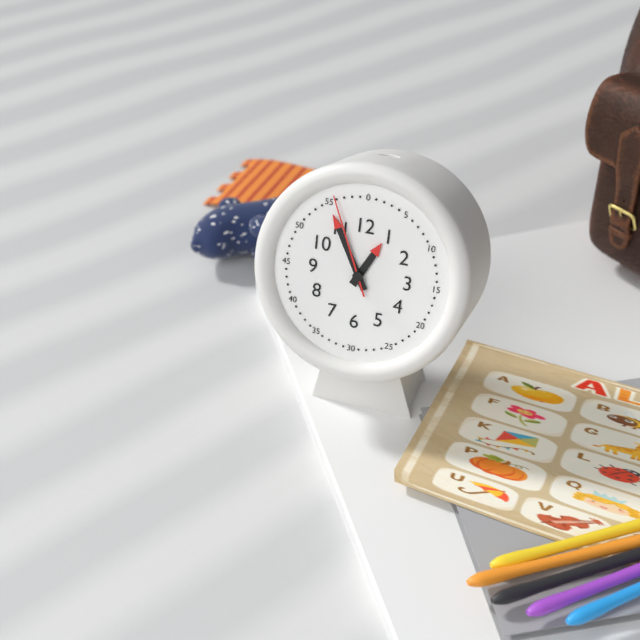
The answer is 12:55:56
